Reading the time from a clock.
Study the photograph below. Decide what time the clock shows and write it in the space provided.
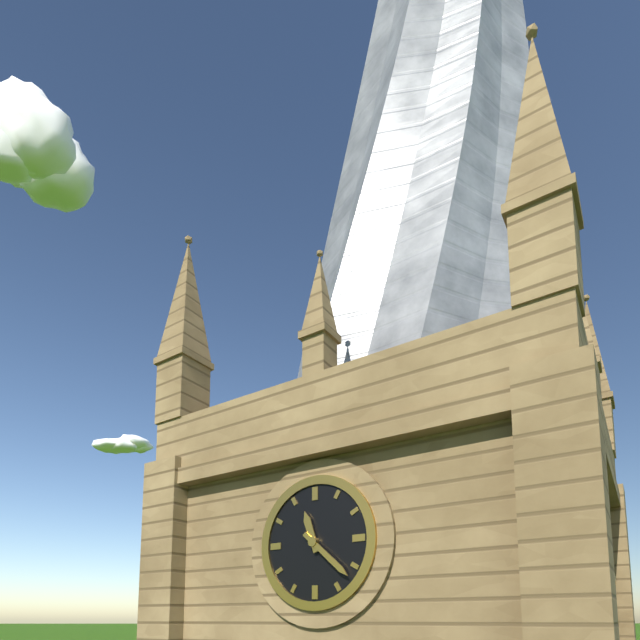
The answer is 11:22
